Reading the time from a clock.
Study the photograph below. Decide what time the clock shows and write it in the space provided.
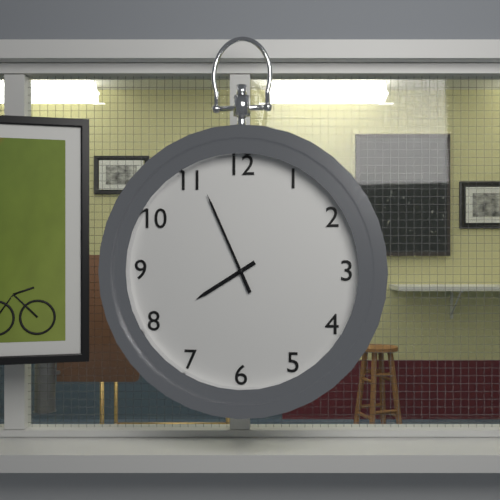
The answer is 7:56
